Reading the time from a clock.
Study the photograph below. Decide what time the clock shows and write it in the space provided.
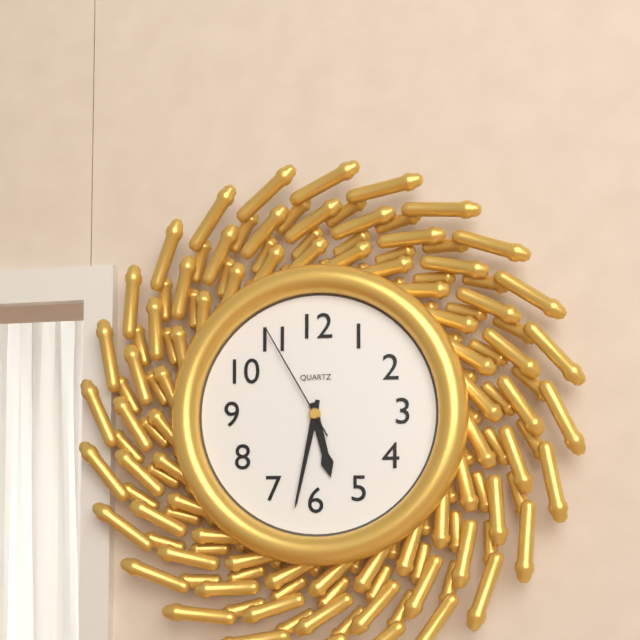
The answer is 5:32:55
